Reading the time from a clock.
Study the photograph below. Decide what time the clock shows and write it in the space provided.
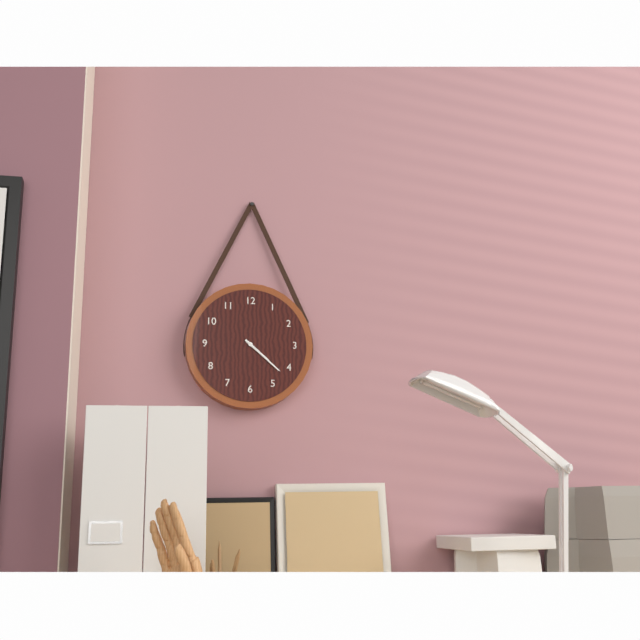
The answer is 4:22
